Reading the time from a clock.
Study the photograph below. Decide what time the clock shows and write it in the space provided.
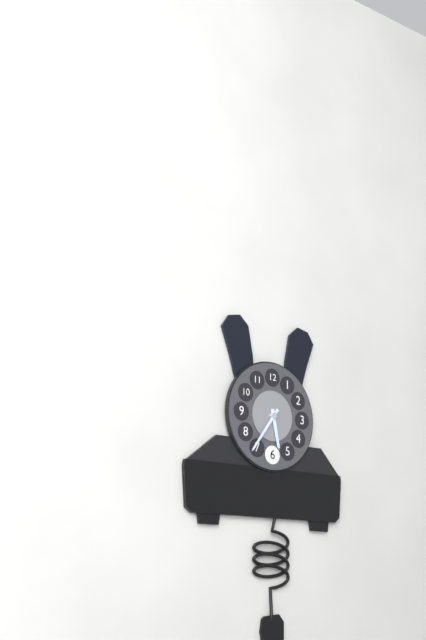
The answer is 5:36
